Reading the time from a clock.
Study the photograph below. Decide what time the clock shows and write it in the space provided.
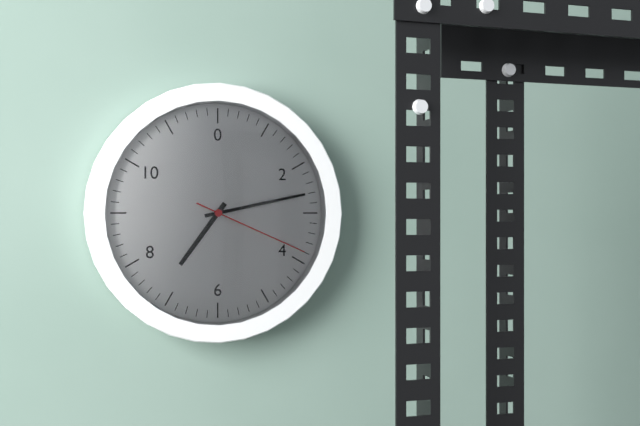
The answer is 7:13:19
